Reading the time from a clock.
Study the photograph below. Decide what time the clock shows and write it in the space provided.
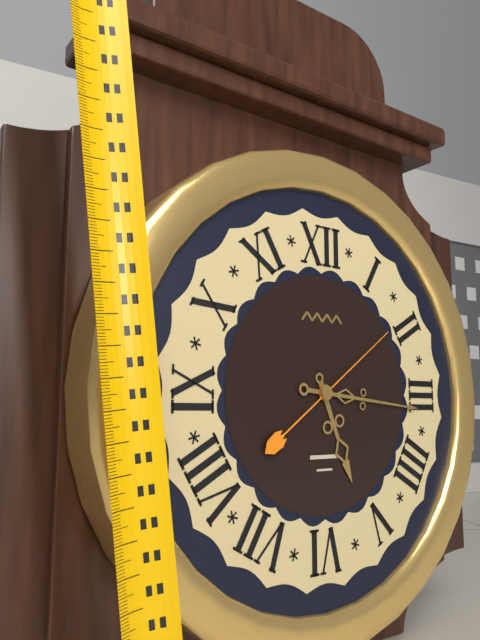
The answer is 5:16:09
